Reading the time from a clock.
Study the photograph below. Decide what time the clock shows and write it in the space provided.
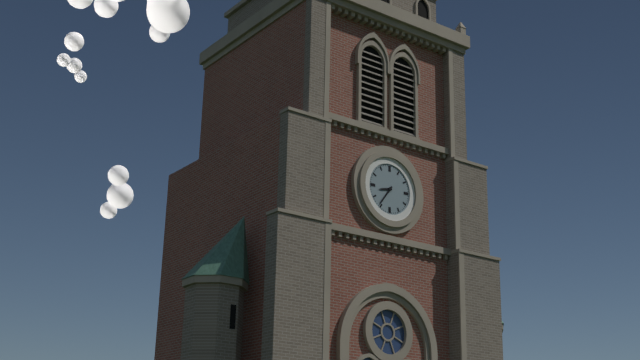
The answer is 8:36
